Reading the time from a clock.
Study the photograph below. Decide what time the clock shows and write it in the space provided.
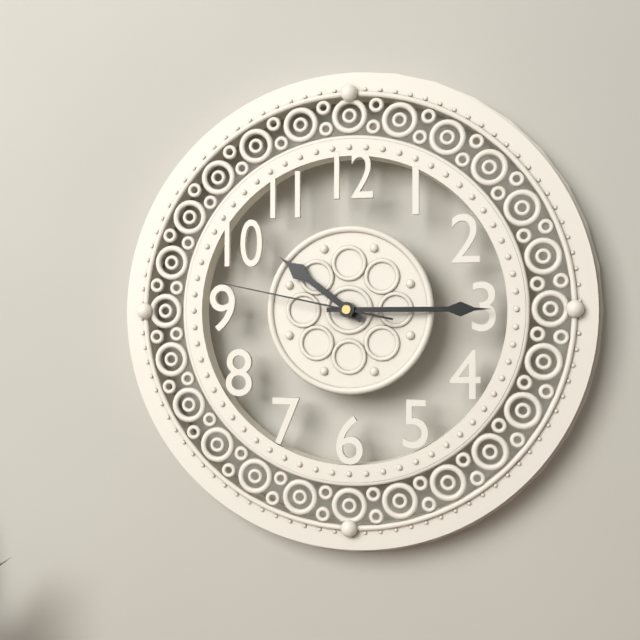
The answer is 10:15:47
